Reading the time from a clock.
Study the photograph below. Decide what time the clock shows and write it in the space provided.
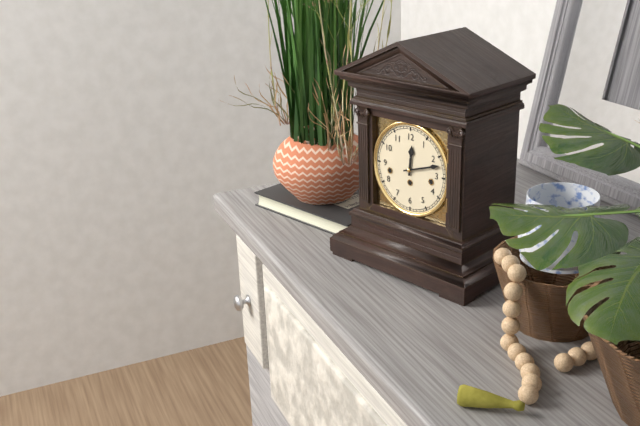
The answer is 12:12
